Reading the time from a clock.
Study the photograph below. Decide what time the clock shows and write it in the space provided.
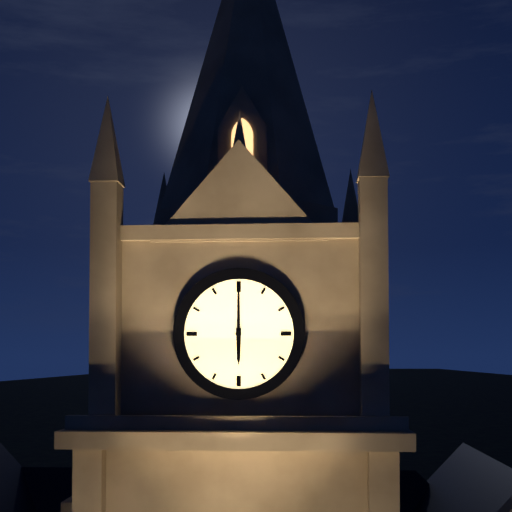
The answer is 6:00
